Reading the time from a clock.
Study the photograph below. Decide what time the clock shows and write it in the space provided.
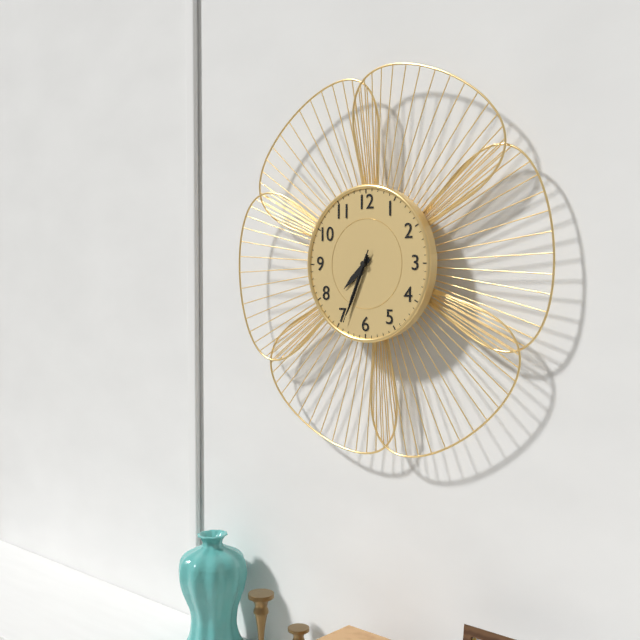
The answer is 7:34:34
